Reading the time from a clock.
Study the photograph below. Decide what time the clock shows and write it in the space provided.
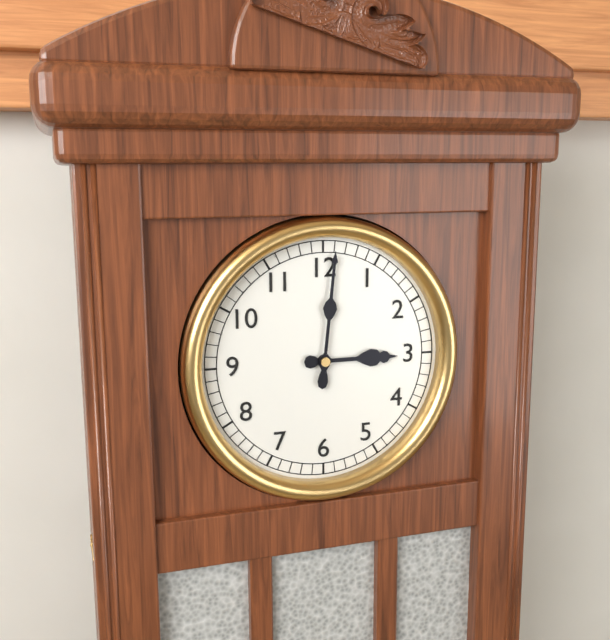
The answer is 3:01
